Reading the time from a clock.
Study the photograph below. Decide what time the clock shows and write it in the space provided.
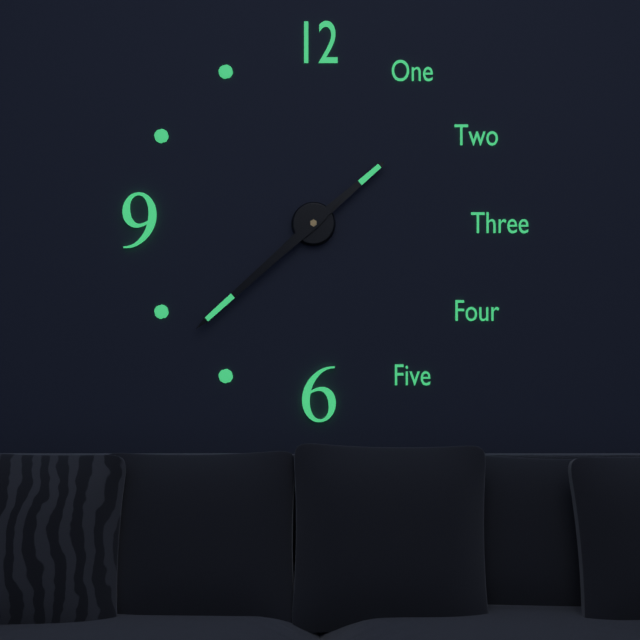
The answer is 1:38
